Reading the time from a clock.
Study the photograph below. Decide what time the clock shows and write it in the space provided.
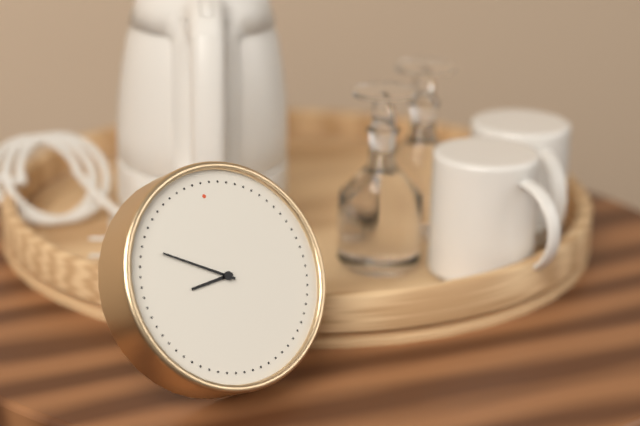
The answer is 8:50
